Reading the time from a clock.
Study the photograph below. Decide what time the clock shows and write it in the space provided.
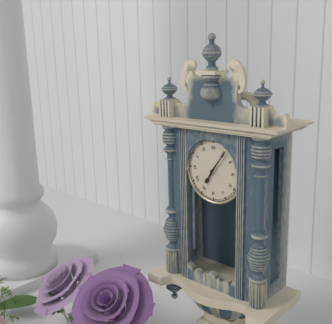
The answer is 7:06
